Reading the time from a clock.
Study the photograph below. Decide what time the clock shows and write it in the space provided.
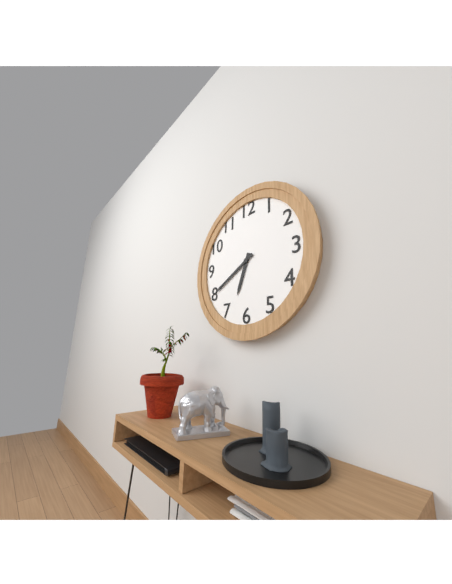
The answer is 6:40
